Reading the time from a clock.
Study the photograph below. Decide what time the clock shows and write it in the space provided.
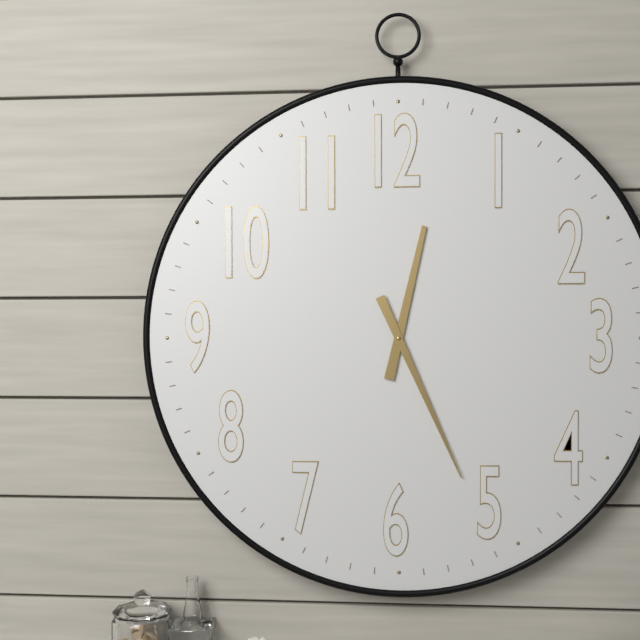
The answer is 12:26
